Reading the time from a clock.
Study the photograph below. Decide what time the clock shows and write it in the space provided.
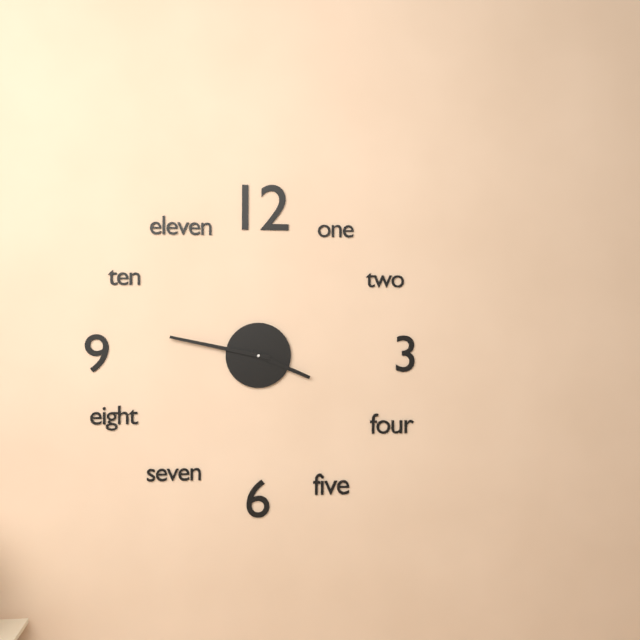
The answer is 3:47
